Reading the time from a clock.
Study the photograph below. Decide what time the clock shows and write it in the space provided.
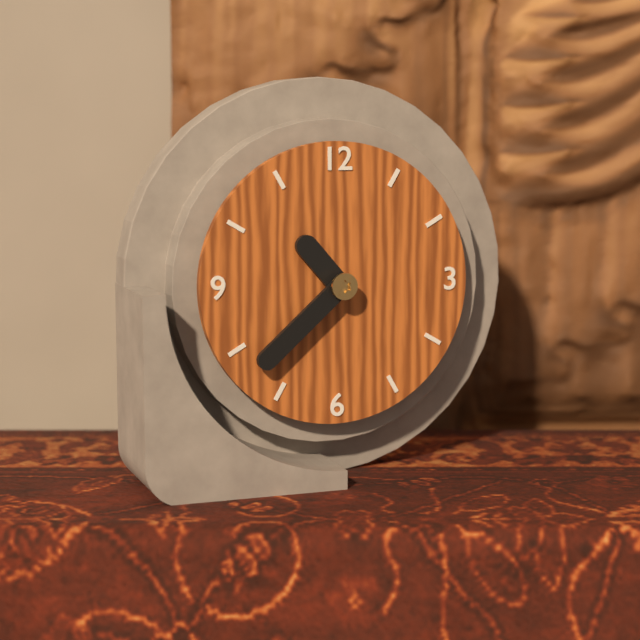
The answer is 10:38
